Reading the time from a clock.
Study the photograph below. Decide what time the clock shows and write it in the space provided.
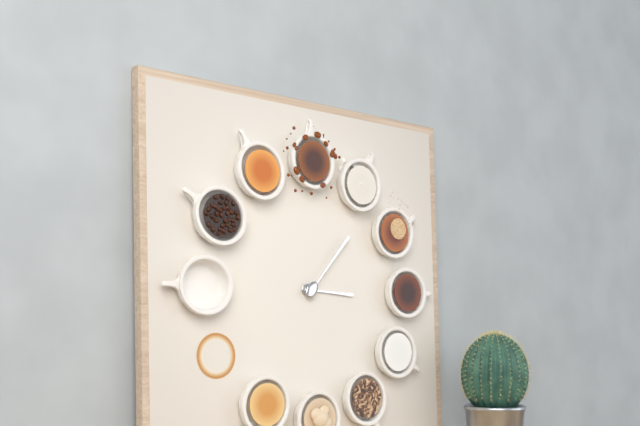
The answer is 3:07
